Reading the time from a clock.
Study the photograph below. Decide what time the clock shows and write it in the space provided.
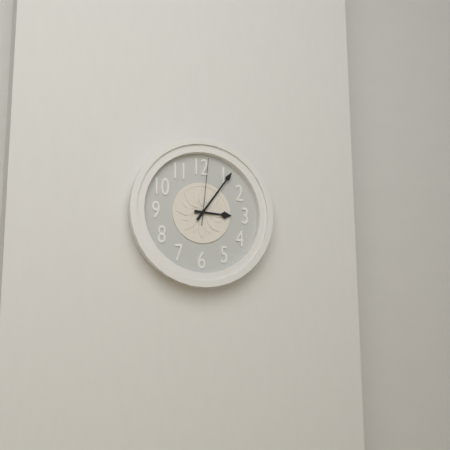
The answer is 3:06:01
